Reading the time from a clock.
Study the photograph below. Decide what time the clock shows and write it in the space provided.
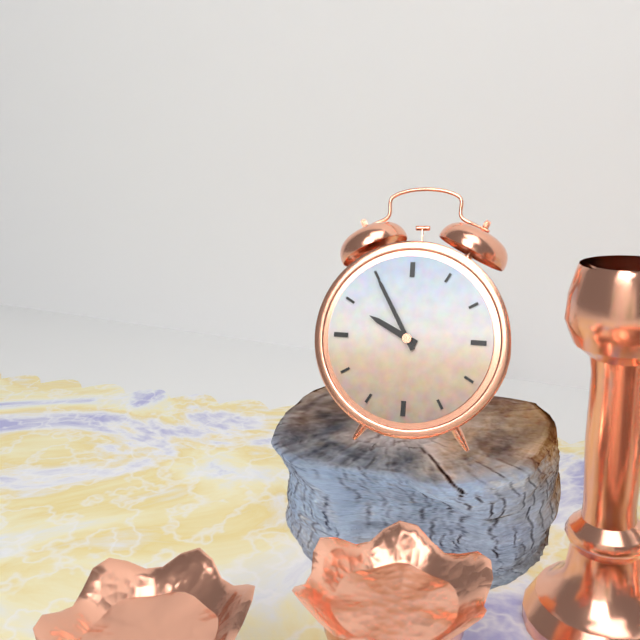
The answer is 9:55
